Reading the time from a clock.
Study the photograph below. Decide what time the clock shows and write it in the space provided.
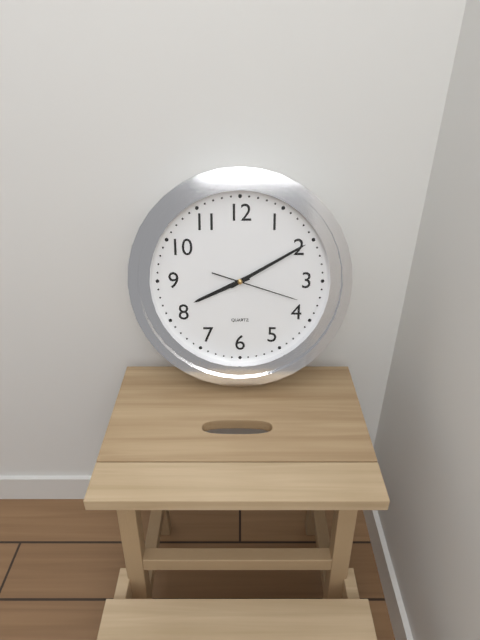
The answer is 8:10:18
